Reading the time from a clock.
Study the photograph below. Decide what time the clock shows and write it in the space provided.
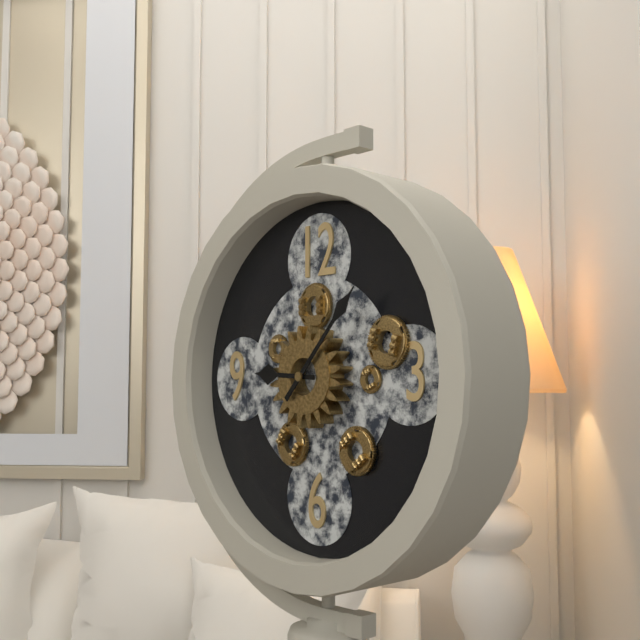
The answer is 9:07
